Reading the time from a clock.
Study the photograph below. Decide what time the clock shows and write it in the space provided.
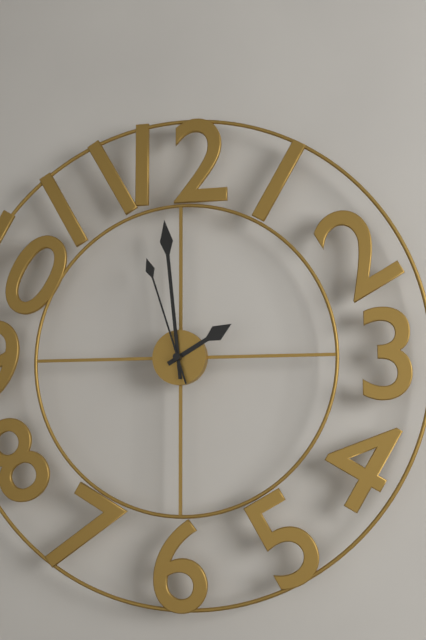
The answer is 1:59:57
